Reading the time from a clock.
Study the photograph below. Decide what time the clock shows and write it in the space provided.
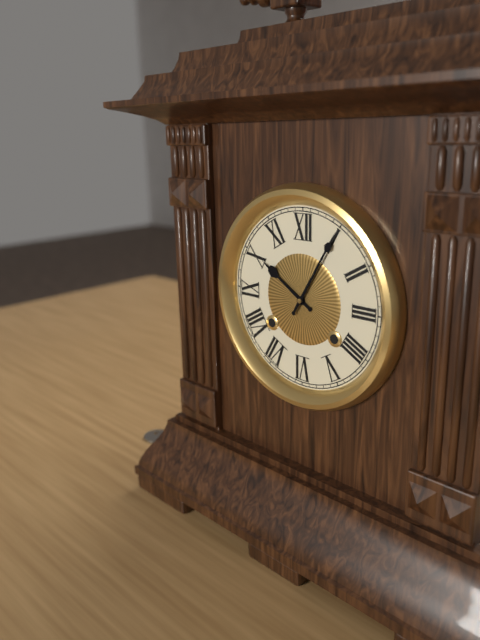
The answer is 10:05
